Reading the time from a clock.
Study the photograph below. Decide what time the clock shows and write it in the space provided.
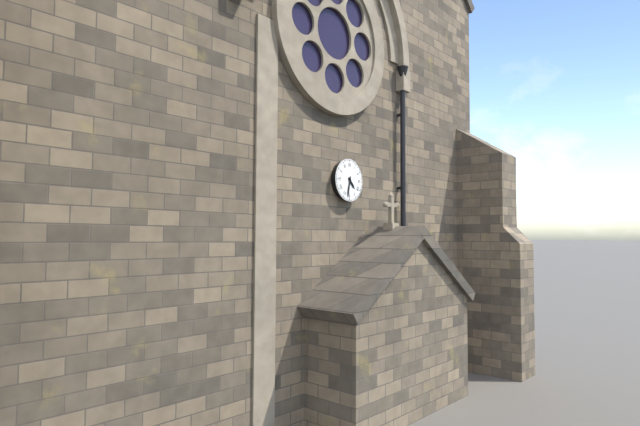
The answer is 4:32
